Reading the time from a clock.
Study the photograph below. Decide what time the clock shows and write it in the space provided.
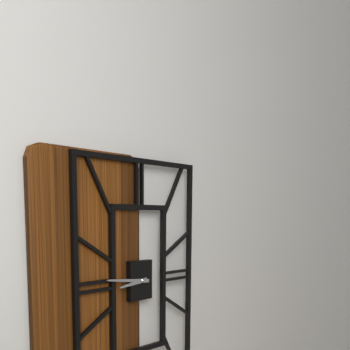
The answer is 8:46
